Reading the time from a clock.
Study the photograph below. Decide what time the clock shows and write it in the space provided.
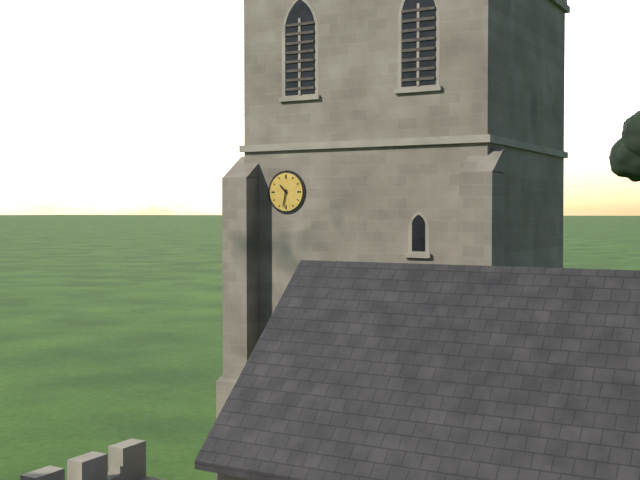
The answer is 10:32
